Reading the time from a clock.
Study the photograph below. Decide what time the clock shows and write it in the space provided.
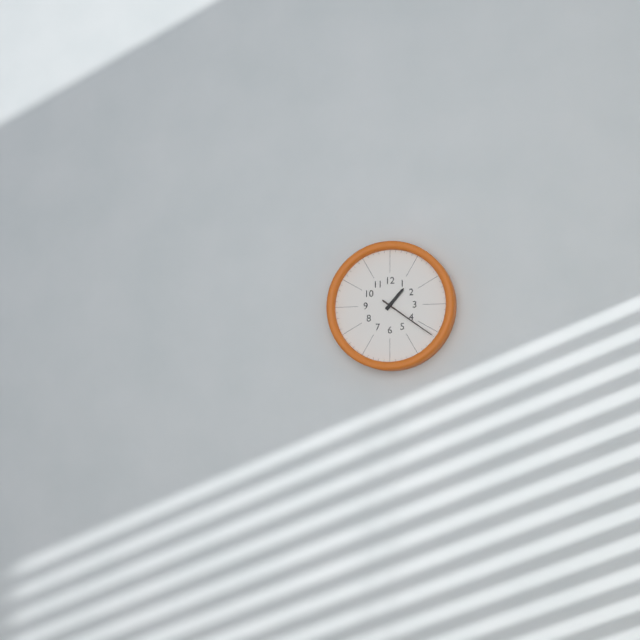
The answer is 1:21
